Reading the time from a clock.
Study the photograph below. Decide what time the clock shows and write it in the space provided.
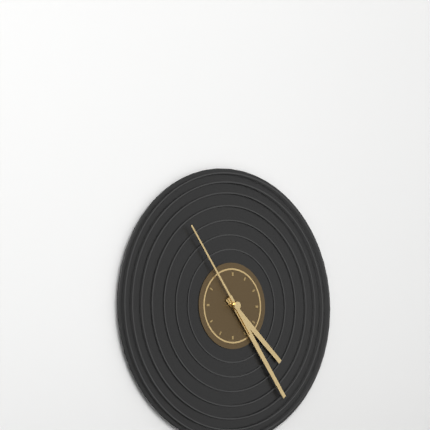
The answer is 4:24:54
